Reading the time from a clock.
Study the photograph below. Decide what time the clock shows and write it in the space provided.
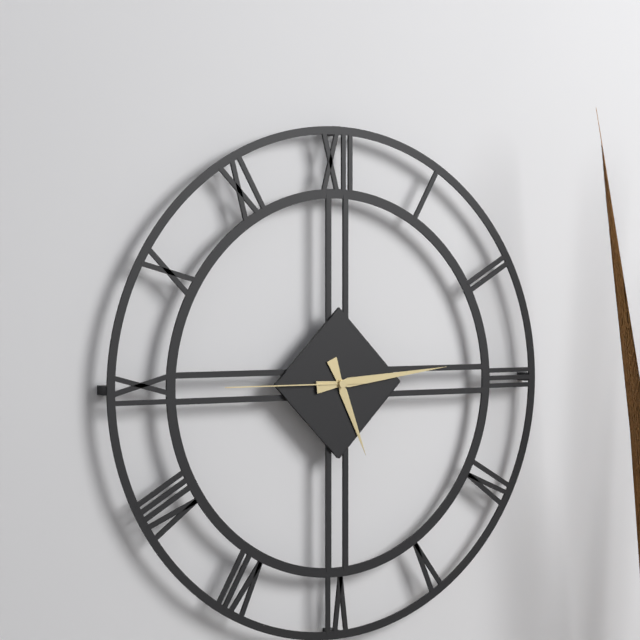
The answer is 5:14:45
